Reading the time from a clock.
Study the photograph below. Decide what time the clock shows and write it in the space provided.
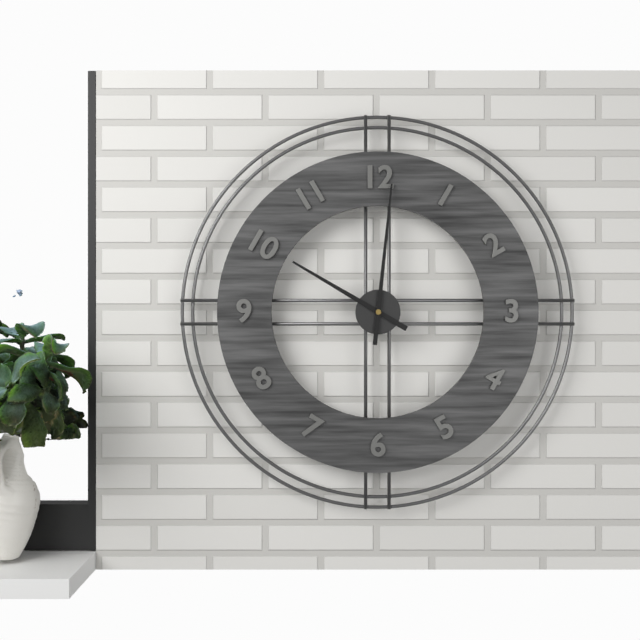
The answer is 10:01
